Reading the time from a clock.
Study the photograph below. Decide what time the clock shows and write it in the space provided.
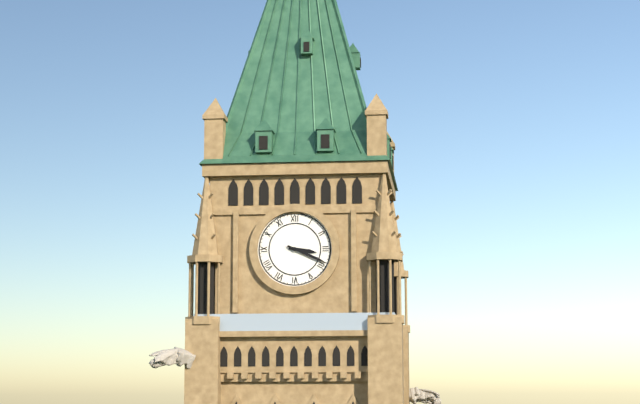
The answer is 3:19
